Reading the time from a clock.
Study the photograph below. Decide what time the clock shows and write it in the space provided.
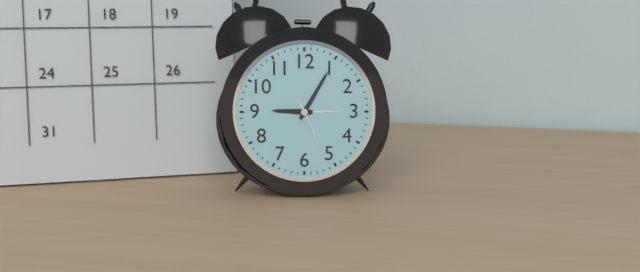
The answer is 9:05:26
